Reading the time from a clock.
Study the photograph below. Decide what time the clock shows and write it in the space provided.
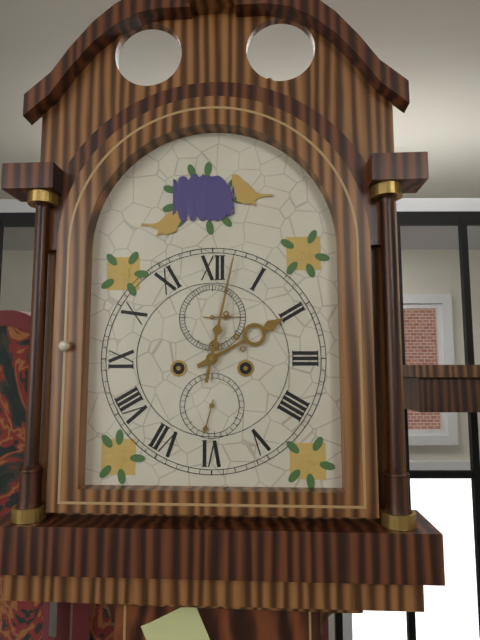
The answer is 2:02
